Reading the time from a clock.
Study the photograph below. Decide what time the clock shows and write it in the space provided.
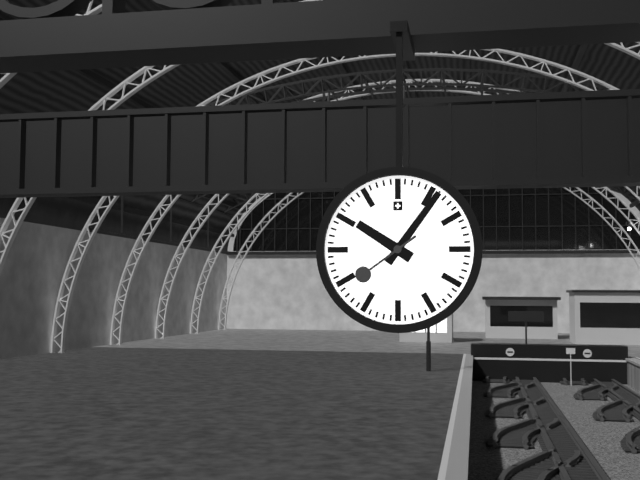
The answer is 10:06:39
